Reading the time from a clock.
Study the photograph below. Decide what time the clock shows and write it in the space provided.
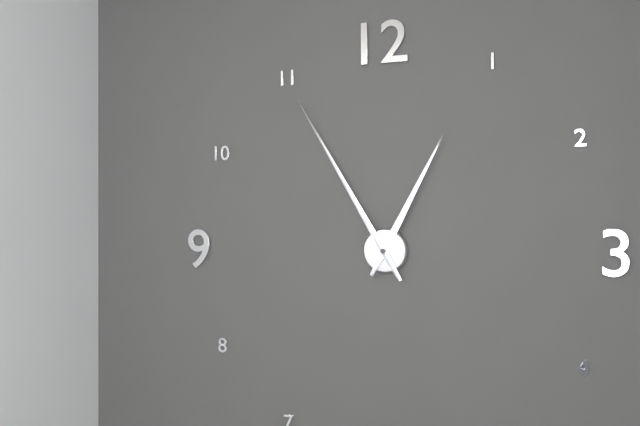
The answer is 12:55
